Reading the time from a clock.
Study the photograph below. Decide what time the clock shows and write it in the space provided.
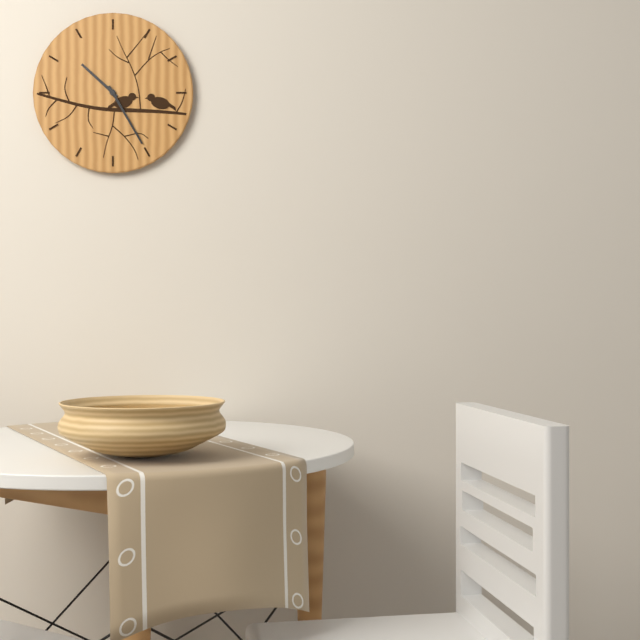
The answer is 10:25
